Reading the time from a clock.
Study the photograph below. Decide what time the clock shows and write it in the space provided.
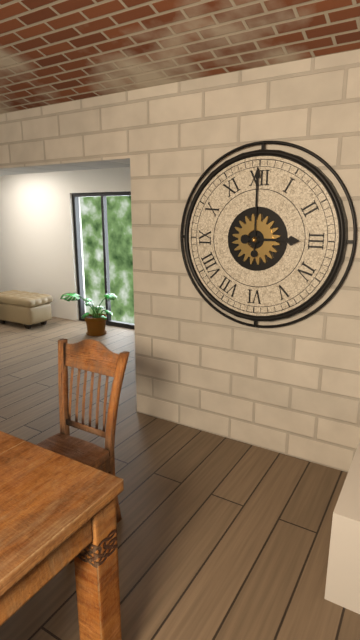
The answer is 3:00
